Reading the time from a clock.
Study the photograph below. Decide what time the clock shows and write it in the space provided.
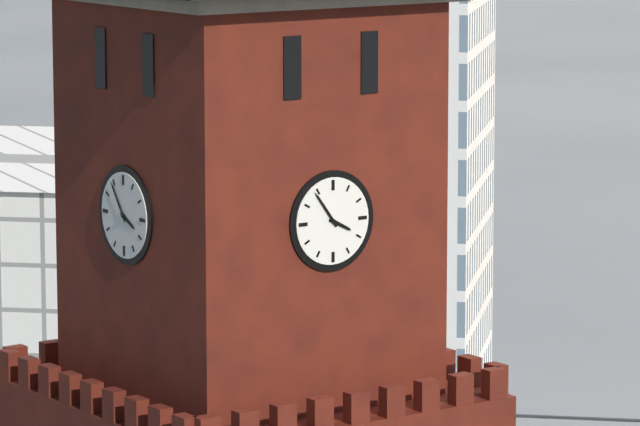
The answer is 3:54
